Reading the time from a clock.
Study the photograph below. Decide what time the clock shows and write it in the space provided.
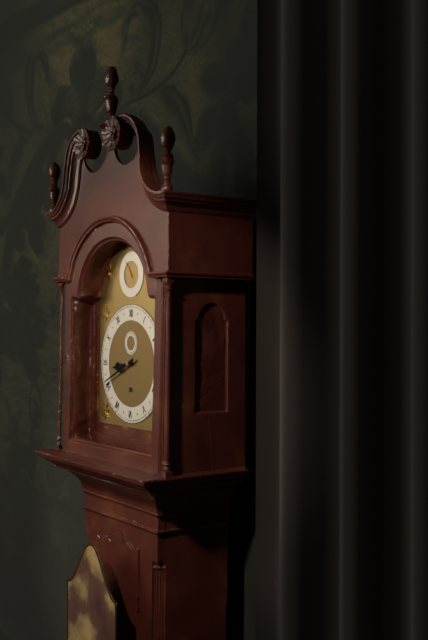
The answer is 8:41
